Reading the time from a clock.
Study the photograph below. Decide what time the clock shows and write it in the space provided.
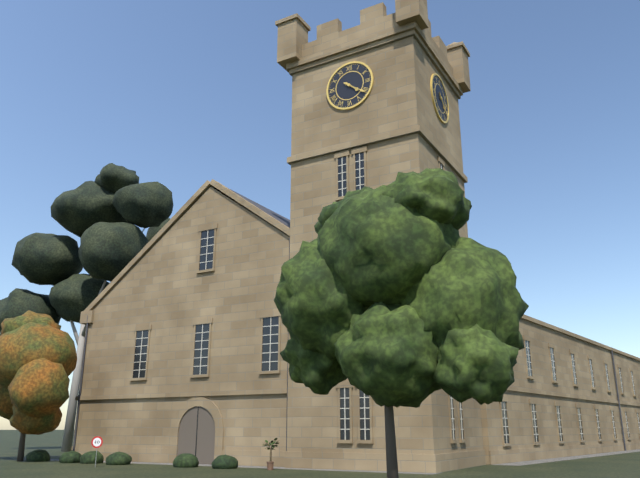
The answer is 4:21
